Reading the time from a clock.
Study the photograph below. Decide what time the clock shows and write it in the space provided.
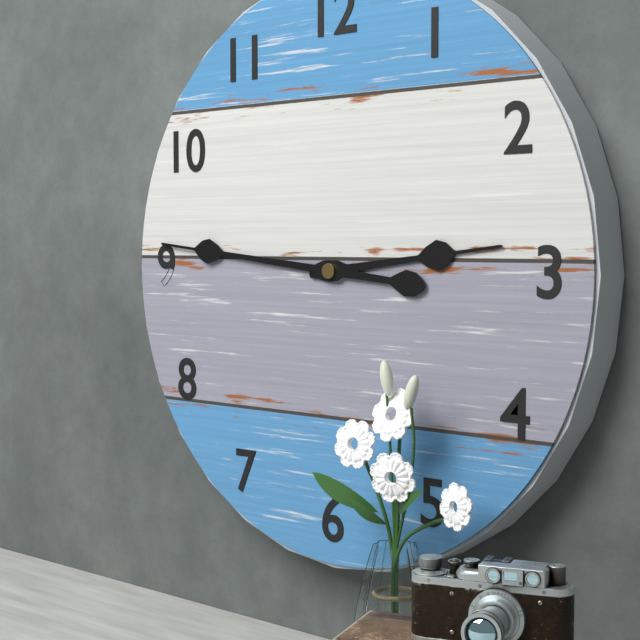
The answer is 2:46
